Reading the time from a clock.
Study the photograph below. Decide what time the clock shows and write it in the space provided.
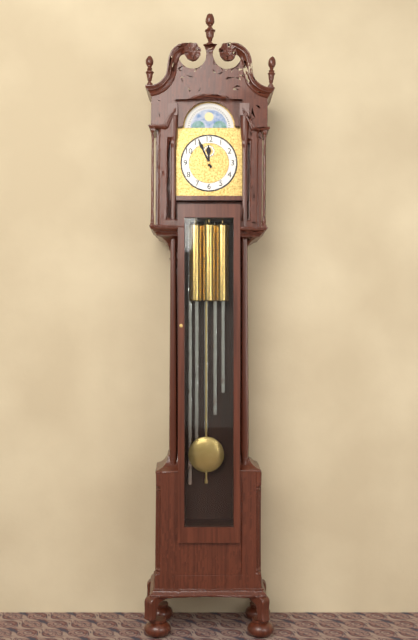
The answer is 11:56
